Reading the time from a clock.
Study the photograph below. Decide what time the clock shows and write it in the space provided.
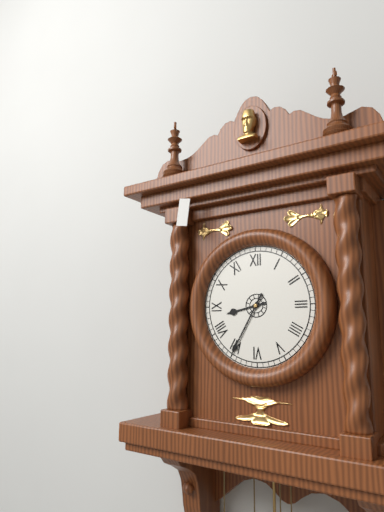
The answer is 8:35
